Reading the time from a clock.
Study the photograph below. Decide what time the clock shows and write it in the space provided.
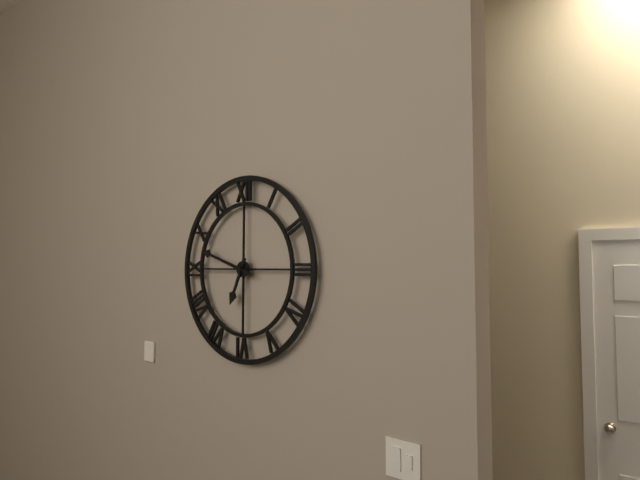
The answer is 6:48
